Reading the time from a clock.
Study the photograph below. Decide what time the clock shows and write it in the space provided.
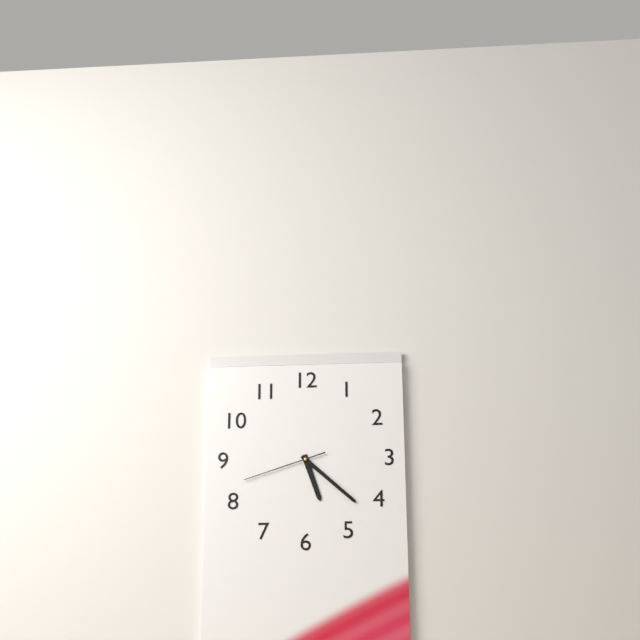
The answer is 5:22:42
